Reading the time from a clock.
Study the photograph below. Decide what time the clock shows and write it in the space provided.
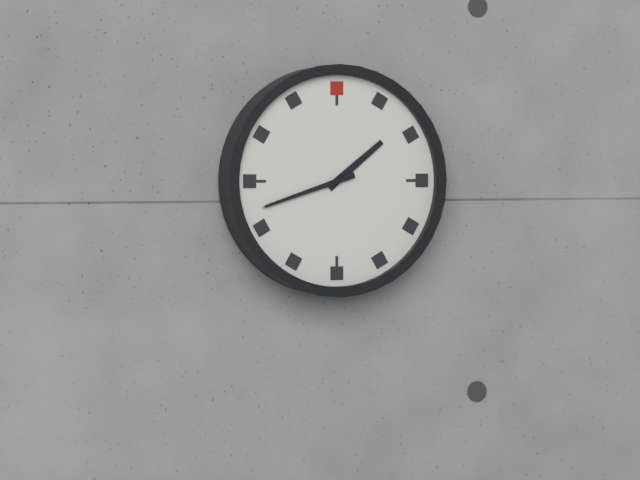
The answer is 1:42
